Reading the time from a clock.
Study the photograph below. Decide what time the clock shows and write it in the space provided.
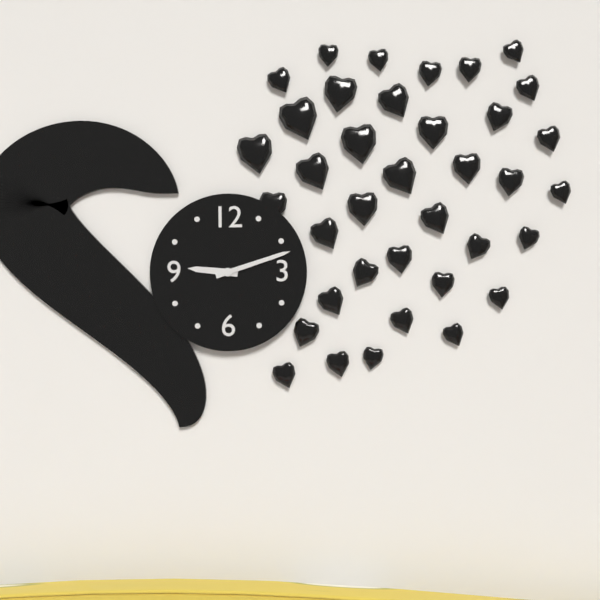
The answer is 9:12
